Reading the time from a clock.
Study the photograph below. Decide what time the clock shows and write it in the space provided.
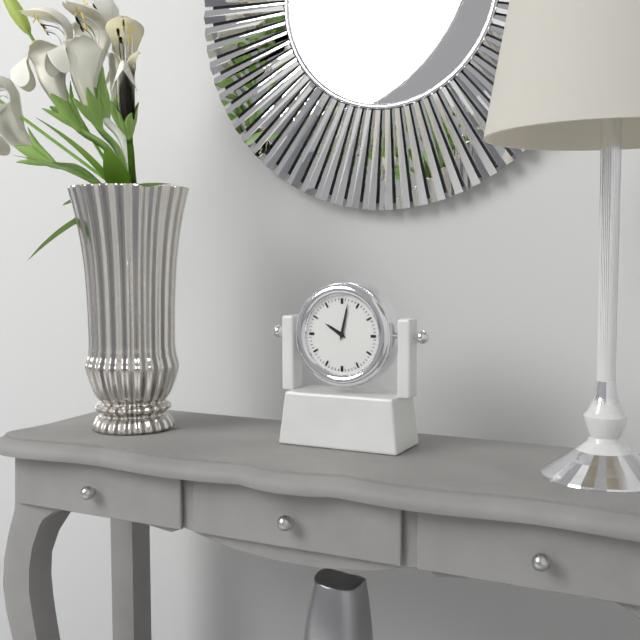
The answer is 10:02
